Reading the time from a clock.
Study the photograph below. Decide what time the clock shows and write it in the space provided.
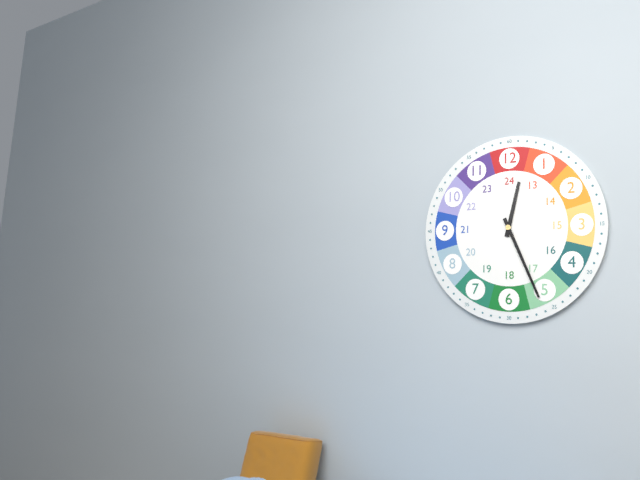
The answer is 12:26
